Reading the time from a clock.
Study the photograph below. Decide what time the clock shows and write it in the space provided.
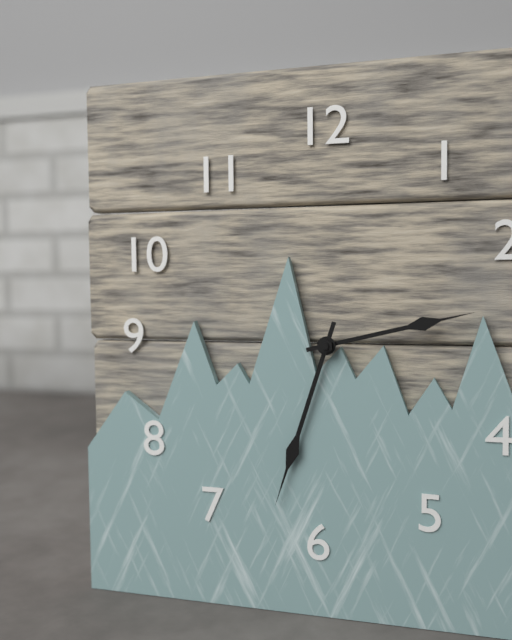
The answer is 2:33
